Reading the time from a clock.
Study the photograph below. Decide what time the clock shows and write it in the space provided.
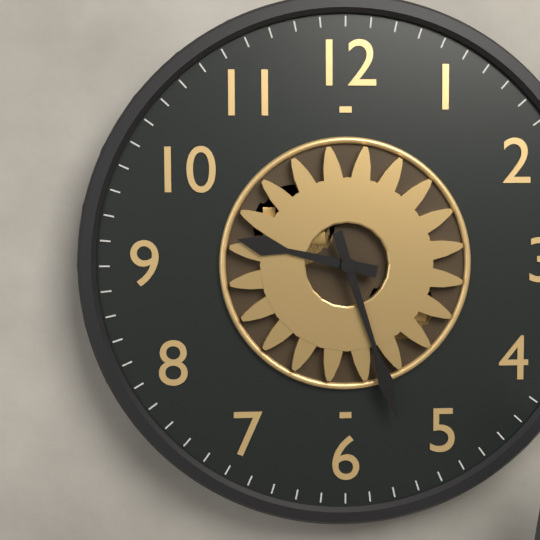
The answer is 9:27
